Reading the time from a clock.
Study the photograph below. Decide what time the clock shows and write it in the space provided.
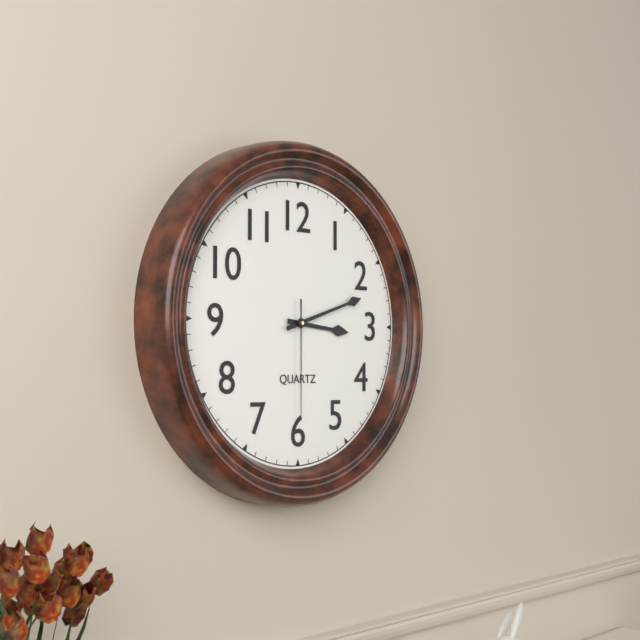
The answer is 3:12:30
